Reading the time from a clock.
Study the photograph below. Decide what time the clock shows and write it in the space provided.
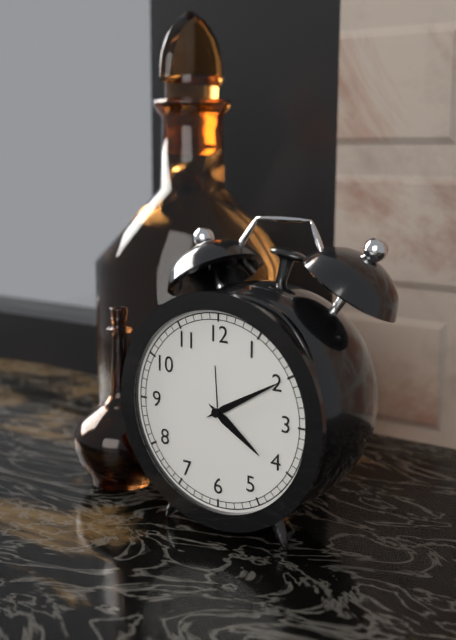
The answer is 4:10
